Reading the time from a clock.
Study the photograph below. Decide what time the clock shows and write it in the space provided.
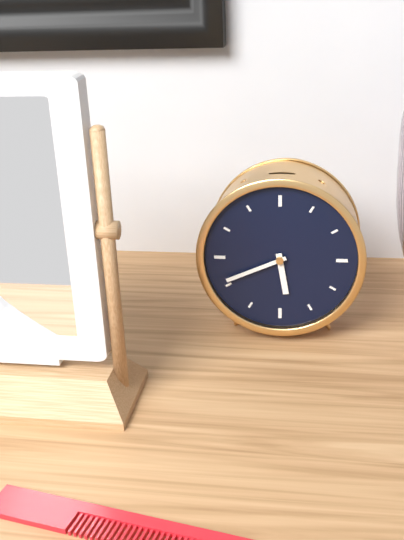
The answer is 5:41
